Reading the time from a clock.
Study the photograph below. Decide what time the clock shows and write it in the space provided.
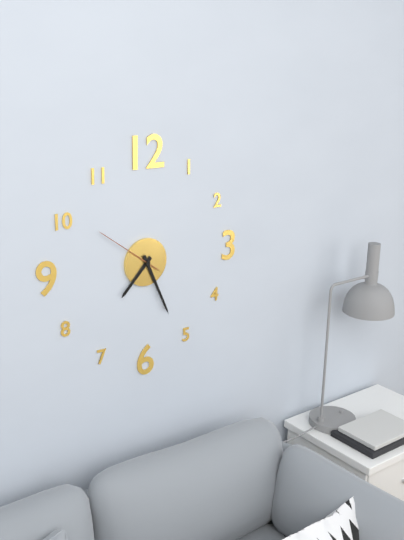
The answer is 7:26:51
